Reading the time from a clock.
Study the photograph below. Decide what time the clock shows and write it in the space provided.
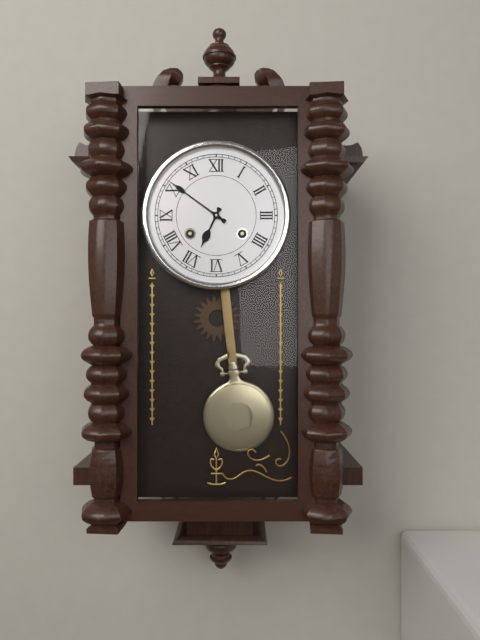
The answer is 6:51
